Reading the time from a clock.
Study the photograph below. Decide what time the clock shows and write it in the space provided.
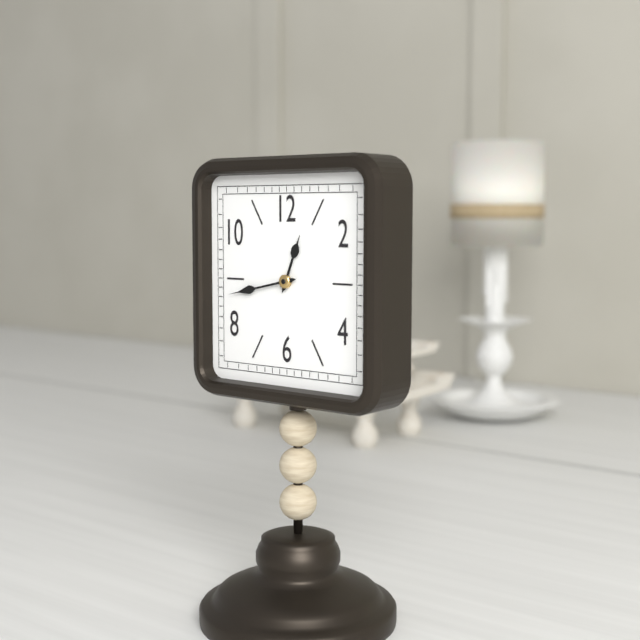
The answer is 12:43
